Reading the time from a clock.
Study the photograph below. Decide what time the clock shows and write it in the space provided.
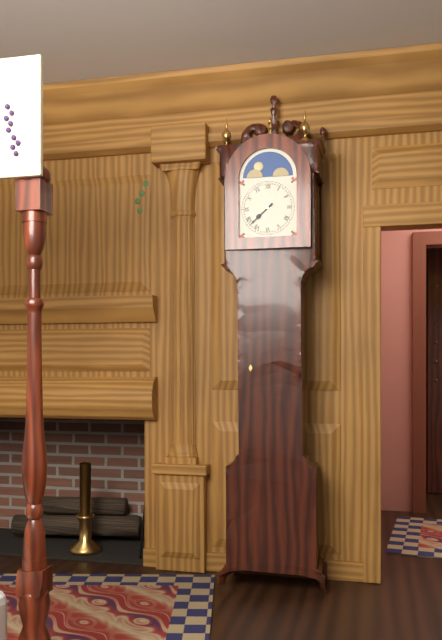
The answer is 7:38
